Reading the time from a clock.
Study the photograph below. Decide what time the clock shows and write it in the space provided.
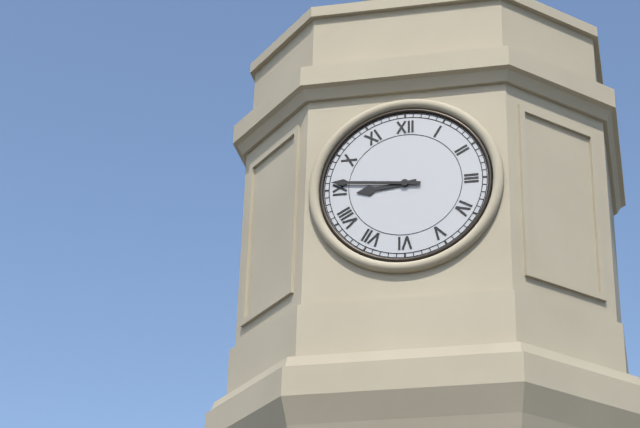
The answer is 8:46
